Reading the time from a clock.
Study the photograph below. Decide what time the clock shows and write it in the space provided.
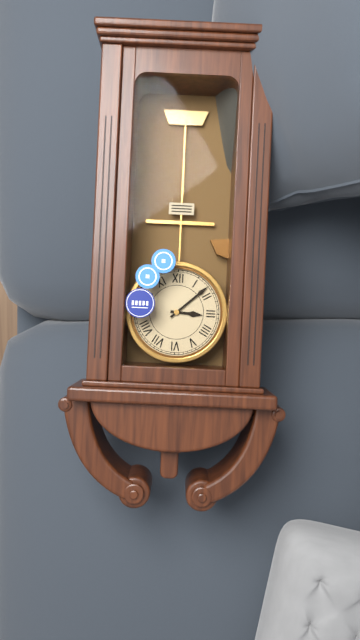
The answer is 3:08
